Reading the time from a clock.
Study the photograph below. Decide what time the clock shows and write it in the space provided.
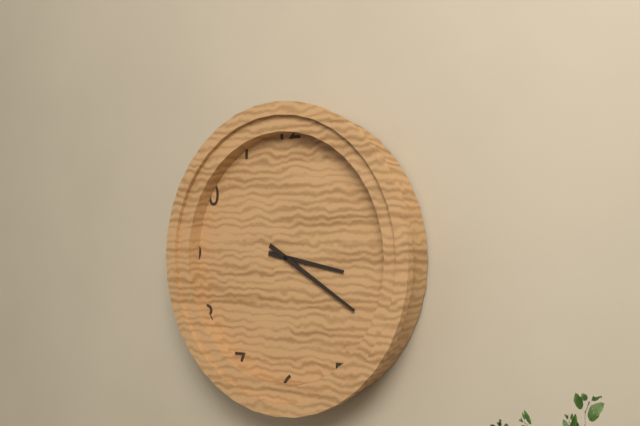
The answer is 3:20
